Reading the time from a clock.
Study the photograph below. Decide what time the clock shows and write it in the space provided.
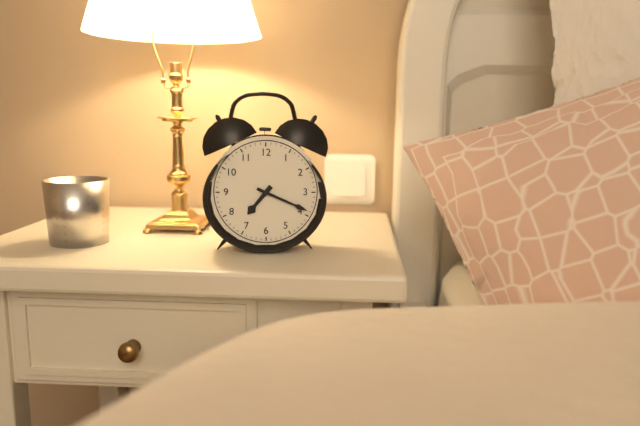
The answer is 7:19
